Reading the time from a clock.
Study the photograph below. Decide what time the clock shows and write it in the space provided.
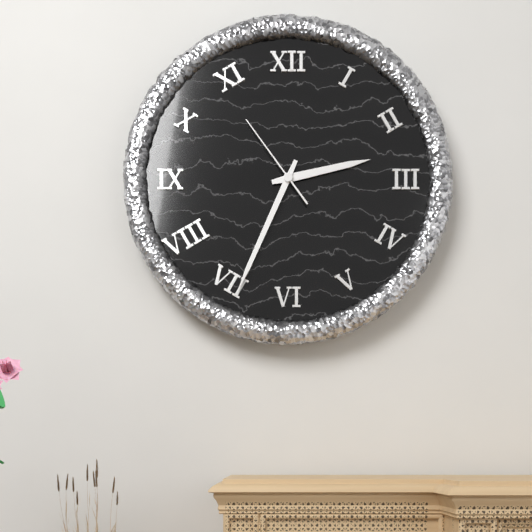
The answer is 2:34:54
